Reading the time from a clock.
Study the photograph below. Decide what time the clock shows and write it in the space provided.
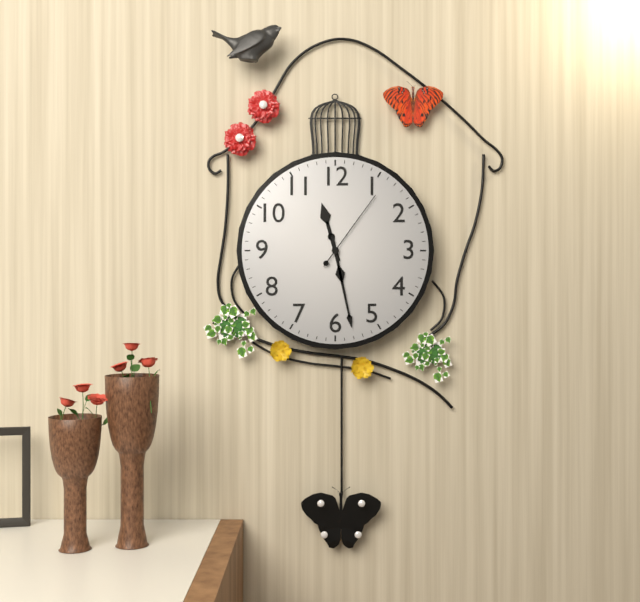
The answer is 11:28:06
